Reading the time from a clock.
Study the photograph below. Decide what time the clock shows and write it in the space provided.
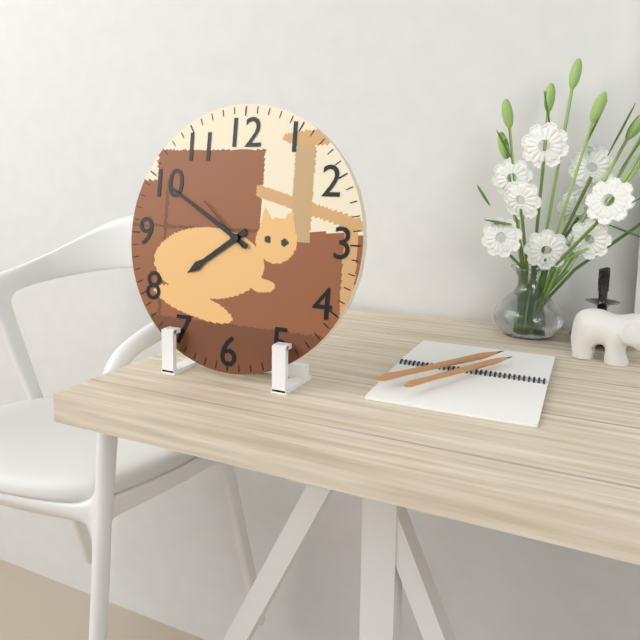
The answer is 7:50:52
